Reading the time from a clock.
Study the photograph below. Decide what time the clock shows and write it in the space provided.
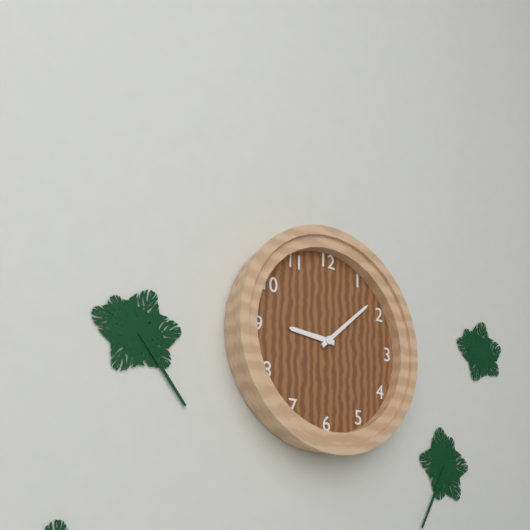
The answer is 9:08
